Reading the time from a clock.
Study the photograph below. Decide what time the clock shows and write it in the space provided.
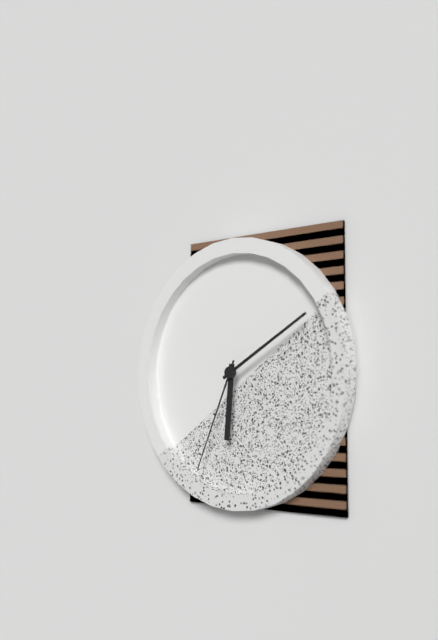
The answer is 6:10:34
